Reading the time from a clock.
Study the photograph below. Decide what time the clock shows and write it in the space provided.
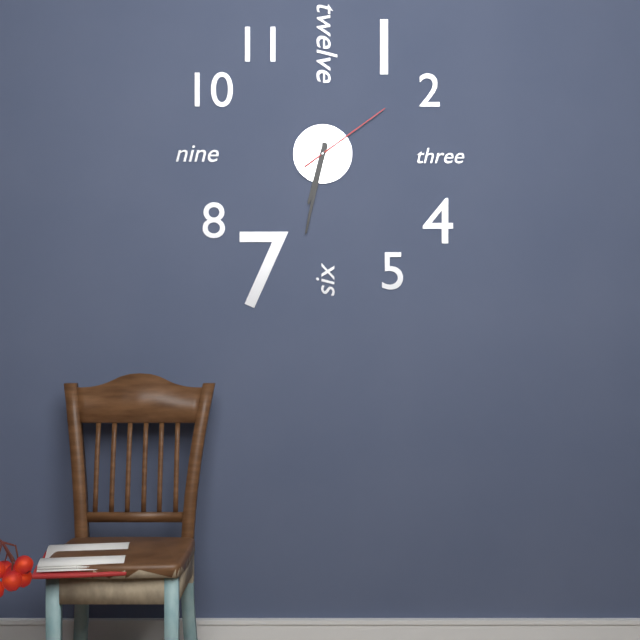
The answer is 6:32:09
